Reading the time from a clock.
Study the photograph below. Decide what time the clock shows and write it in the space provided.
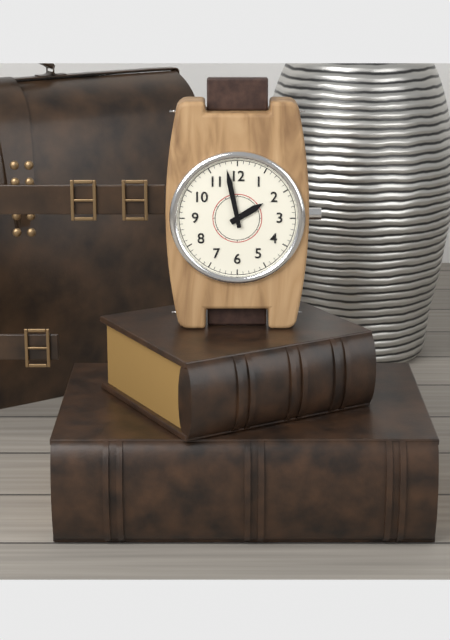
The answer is 1:58
